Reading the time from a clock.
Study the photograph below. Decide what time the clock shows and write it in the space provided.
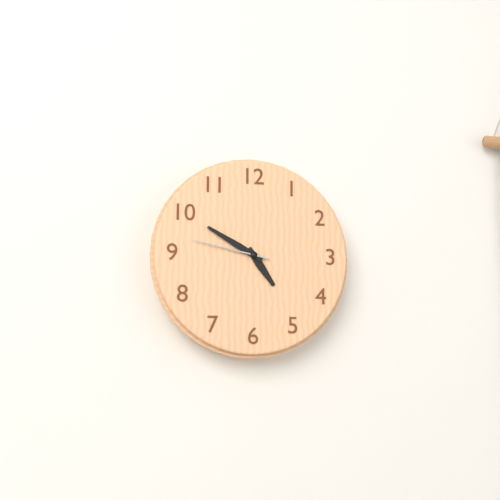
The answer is 4:50:47
